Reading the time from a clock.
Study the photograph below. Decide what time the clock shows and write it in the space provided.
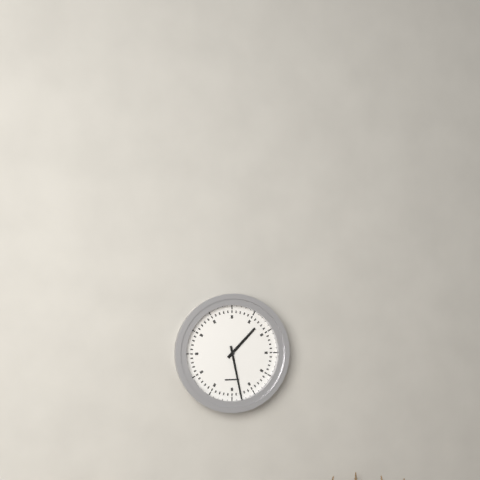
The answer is 1:28
